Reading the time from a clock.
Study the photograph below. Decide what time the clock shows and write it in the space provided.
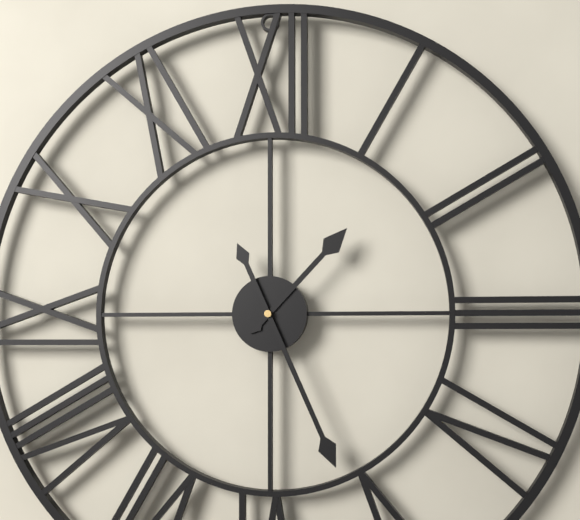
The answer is 1:26
